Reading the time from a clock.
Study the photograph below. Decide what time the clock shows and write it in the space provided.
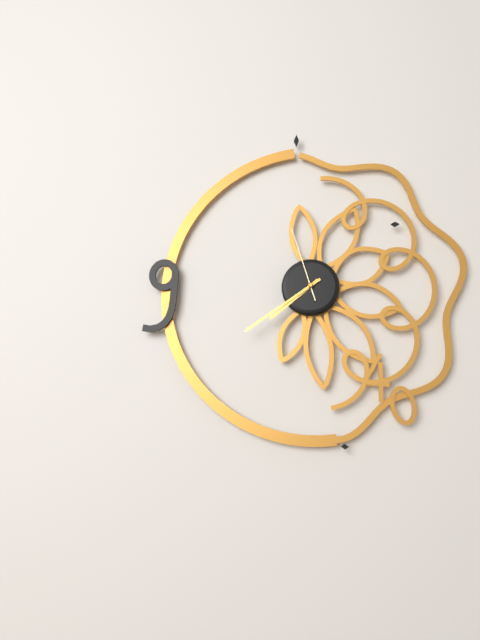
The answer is 7:39:57
